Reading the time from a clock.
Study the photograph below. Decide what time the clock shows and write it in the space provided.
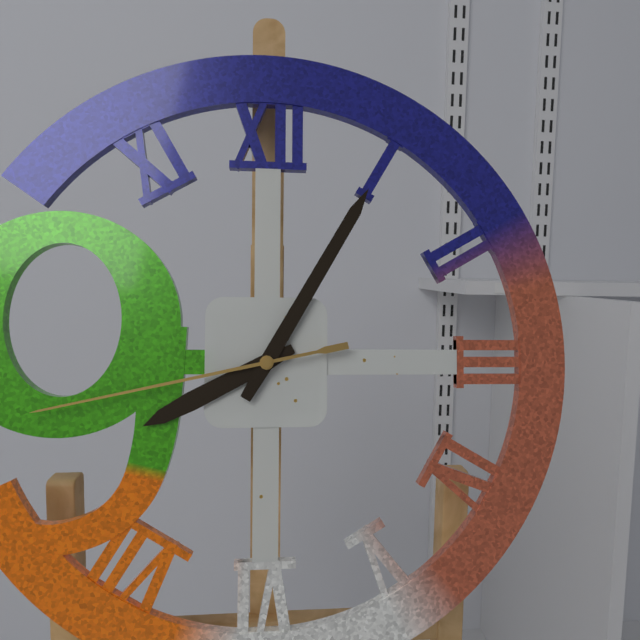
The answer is 8:05:43
